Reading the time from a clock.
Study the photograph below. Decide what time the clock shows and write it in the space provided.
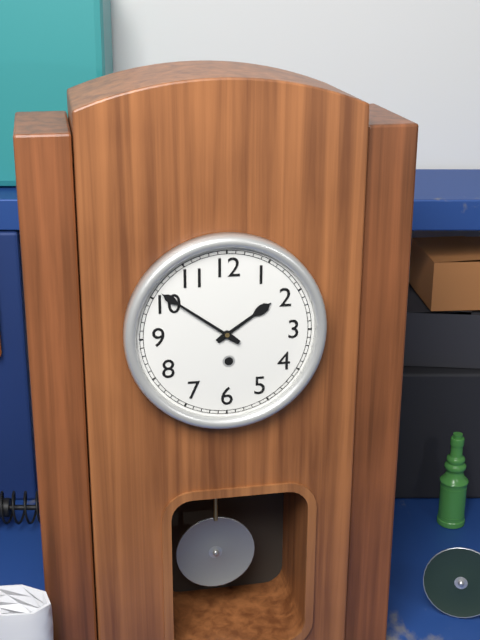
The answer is 1:51
